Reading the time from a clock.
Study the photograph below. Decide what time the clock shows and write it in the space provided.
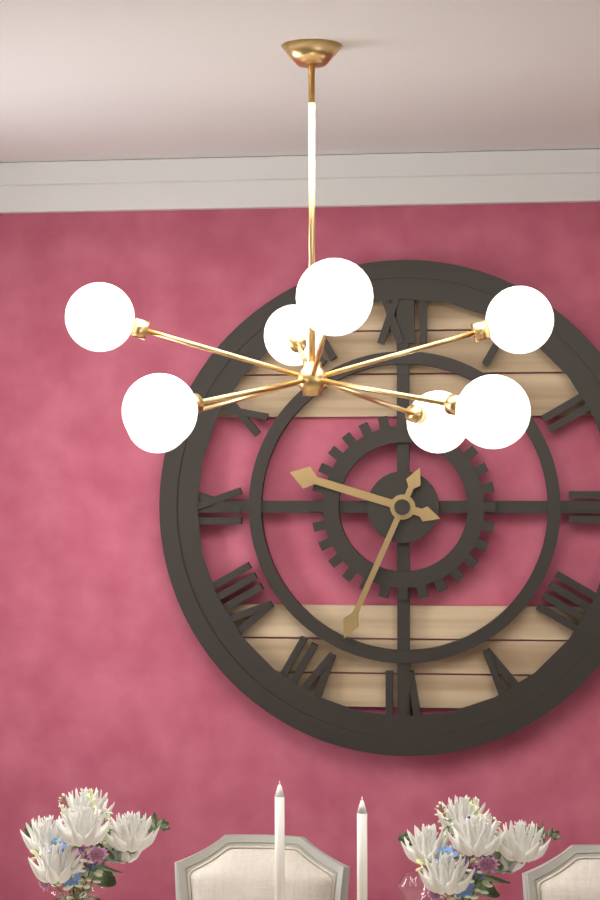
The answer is 9:34
